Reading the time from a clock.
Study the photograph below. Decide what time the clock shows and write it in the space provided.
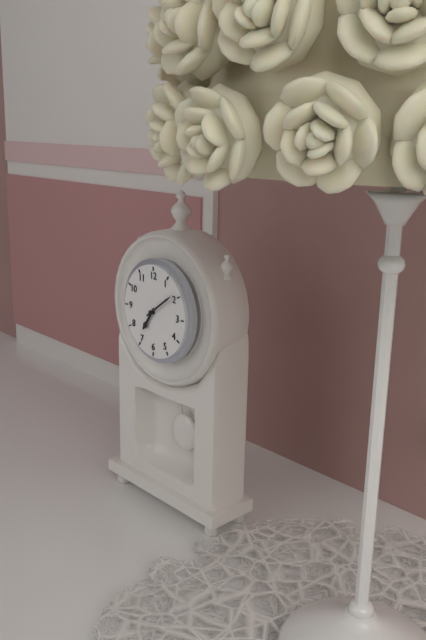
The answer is 7:09
